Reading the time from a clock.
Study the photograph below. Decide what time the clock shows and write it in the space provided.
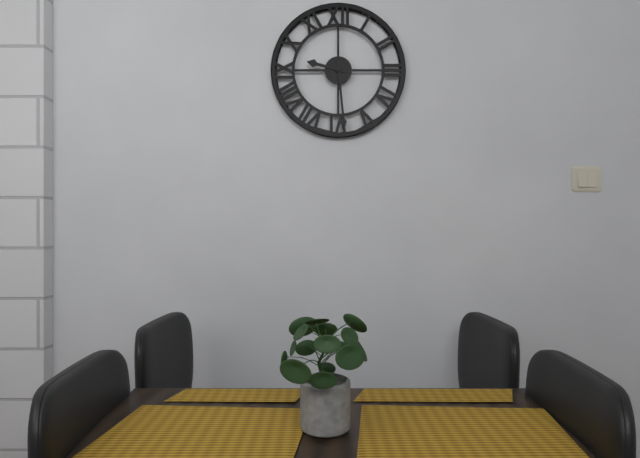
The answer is 9:29
